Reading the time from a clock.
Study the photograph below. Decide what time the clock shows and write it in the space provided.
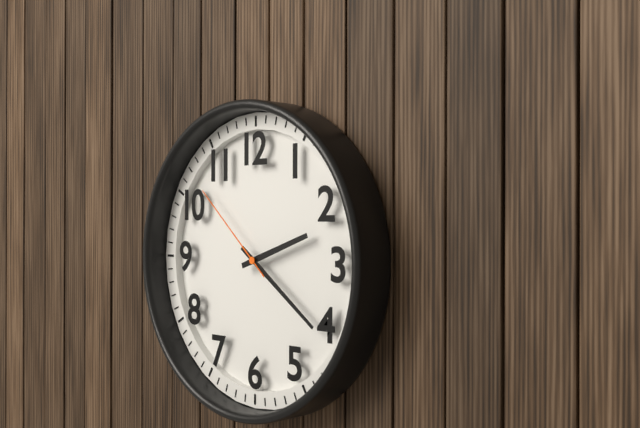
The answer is 2:21:52
